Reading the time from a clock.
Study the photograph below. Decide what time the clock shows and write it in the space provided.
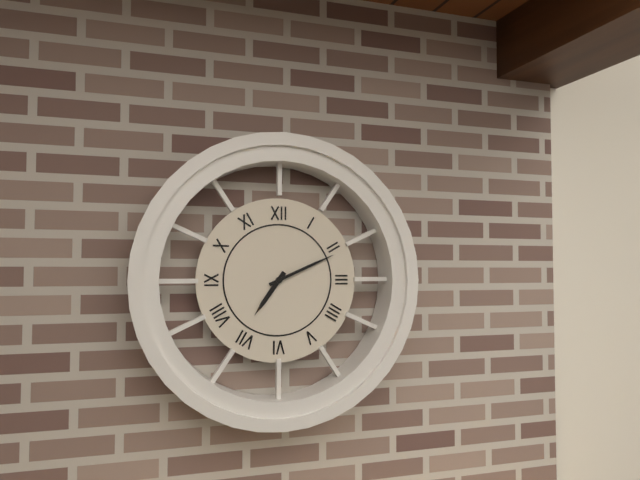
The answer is 7:11
